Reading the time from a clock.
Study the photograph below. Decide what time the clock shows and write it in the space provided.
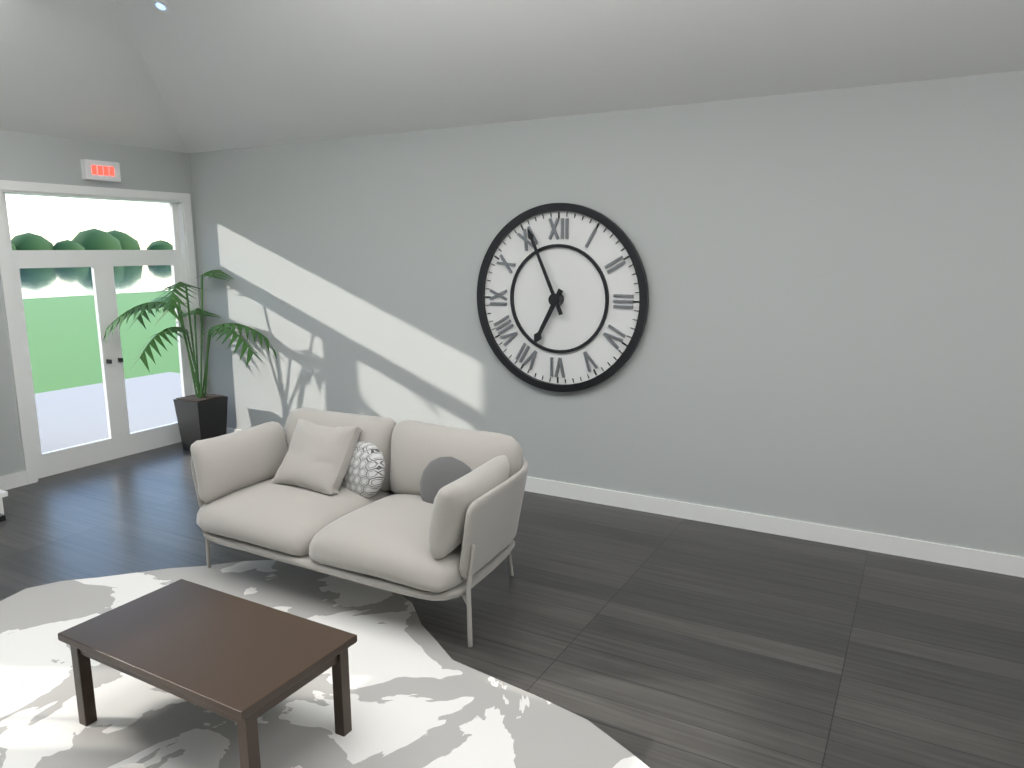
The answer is 6:56
